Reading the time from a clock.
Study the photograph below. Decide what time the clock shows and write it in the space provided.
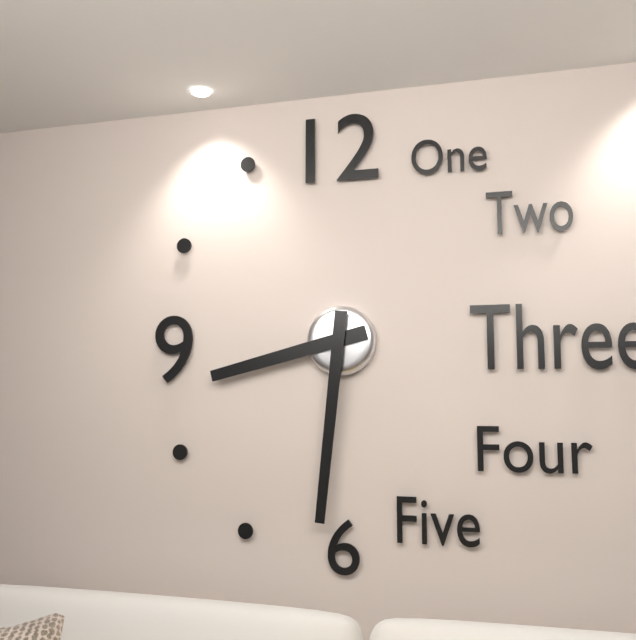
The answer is 8:31
